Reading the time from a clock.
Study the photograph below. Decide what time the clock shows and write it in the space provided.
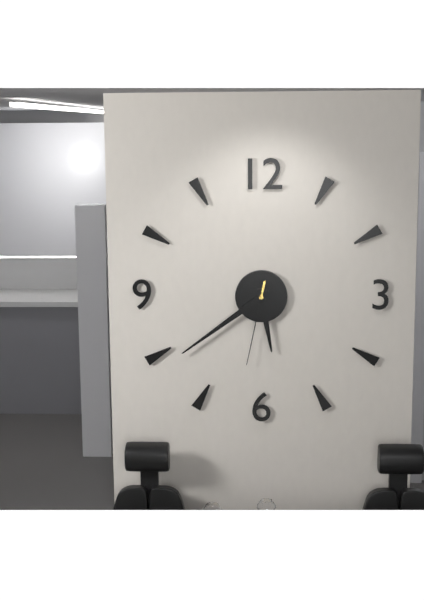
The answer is 5:39:32
